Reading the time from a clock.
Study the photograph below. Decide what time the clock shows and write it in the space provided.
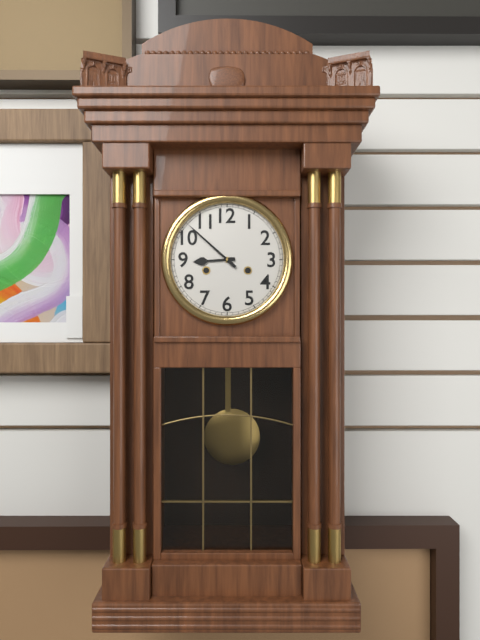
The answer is 8:52
